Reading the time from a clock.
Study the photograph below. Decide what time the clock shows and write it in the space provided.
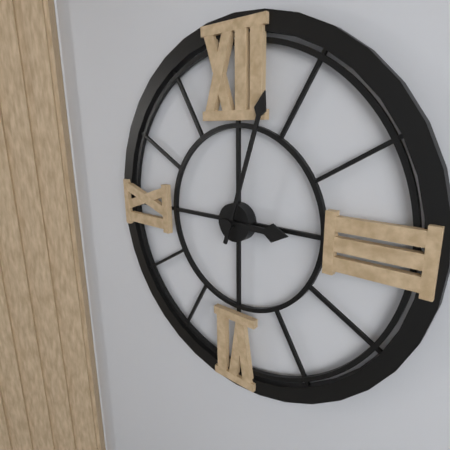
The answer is 3:03
